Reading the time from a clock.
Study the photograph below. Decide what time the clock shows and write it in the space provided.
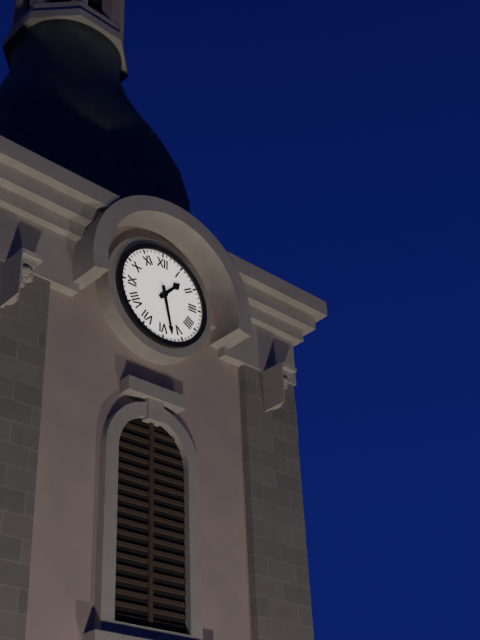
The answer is 1:28
